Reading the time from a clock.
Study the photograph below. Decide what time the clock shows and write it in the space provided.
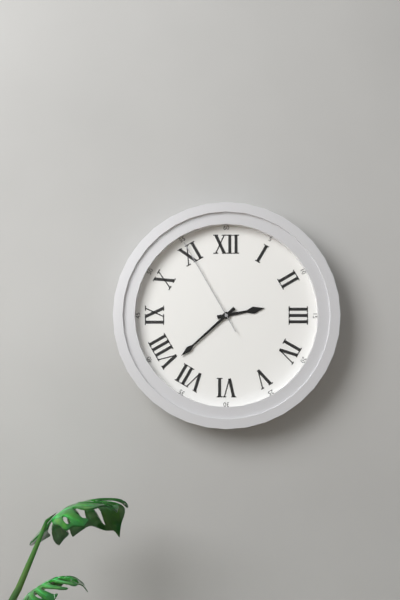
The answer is 2:38:55
